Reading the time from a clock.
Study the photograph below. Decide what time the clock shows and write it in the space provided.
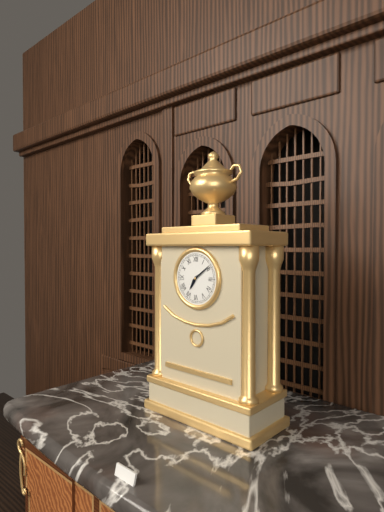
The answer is 7:09
